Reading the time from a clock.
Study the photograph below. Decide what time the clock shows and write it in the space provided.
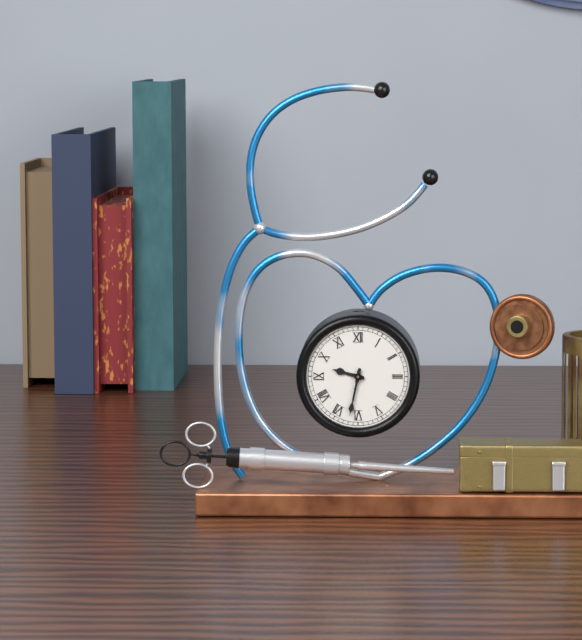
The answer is 9:32
